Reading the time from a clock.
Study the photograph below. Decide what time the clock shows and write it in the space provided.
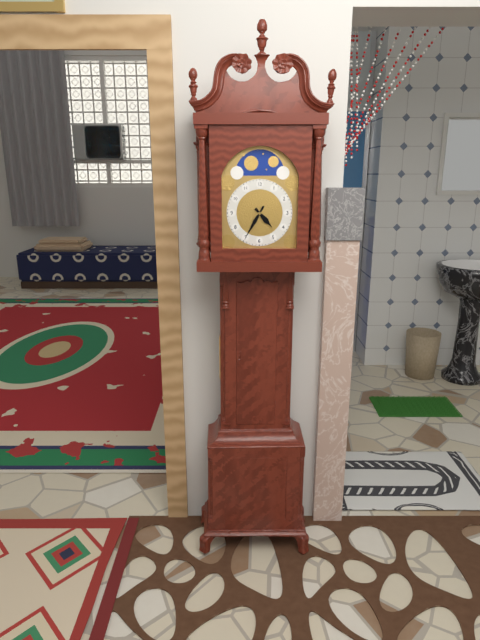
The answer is 4:35
